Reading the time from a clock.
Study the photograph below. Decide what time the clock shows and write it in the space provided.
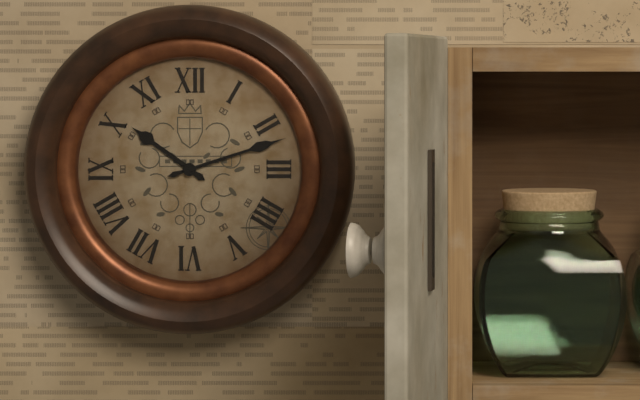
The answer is 10:12
